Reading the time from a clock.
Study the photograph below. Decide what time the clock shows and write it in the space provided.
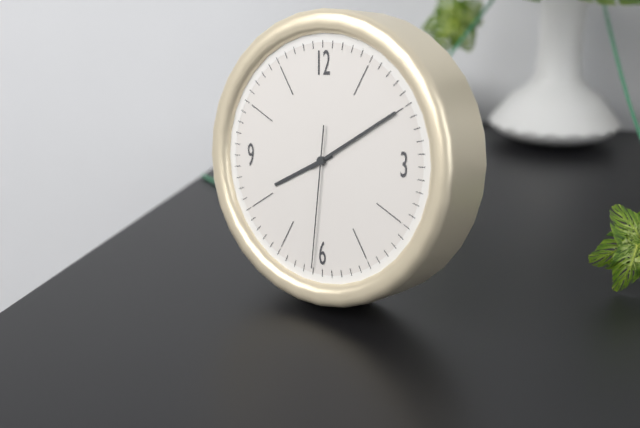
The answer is 8:10:31
